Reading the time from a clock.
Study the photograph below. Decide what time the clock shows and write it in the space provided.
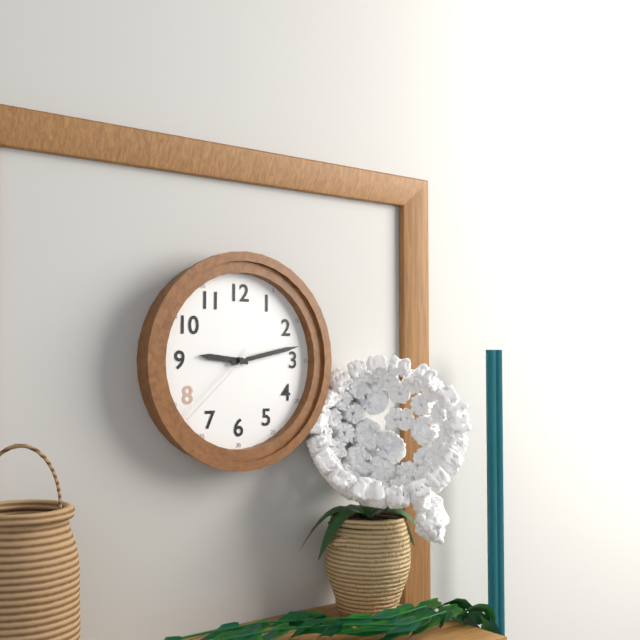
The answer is 9:13:38
